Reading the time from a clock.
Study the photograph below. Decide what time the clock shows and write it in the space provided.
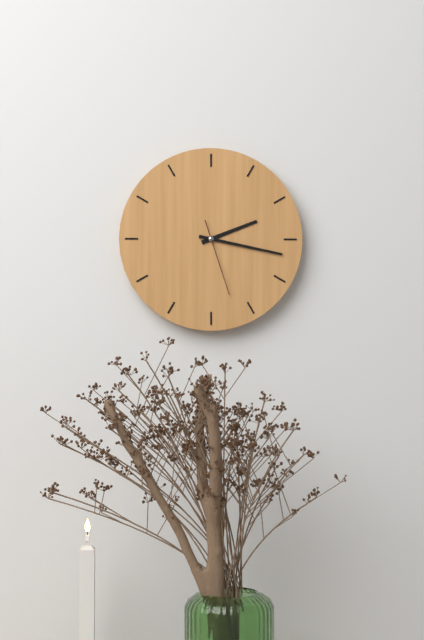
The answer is 2:17:27
